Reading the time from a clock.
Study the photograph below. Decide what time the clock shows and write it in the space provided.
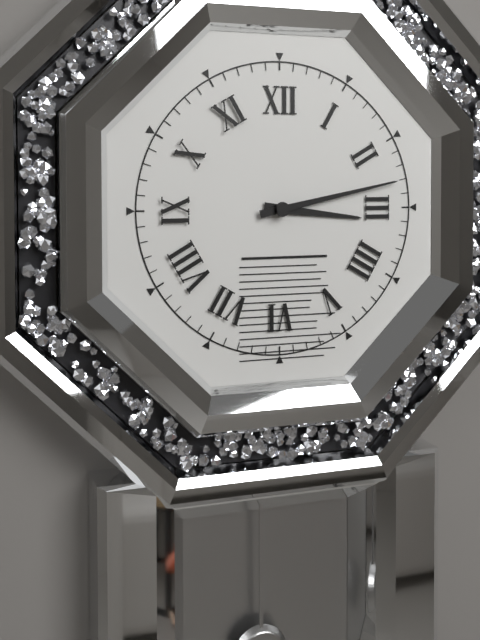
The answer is 3:13
